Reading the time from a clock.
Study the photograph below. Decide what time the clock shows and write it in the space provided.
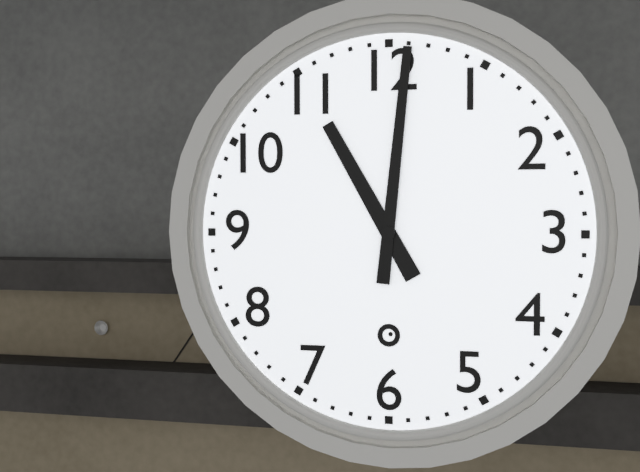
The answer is 11:01
